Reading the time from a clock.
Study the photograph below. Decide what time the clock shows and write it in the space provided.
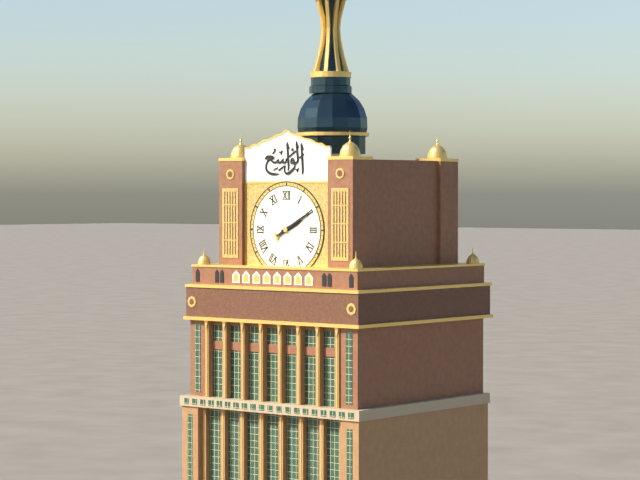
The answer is 2:10
